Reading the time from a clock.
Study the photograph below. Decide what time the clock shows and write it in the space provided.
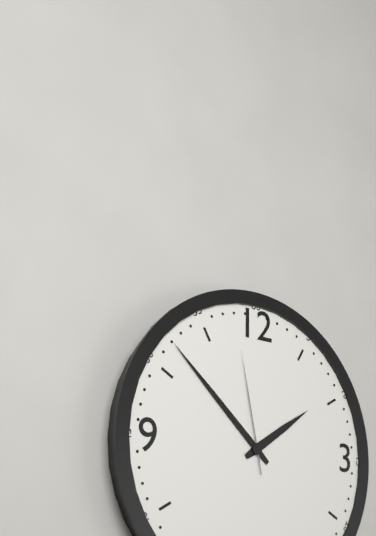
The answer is 1:52:58
